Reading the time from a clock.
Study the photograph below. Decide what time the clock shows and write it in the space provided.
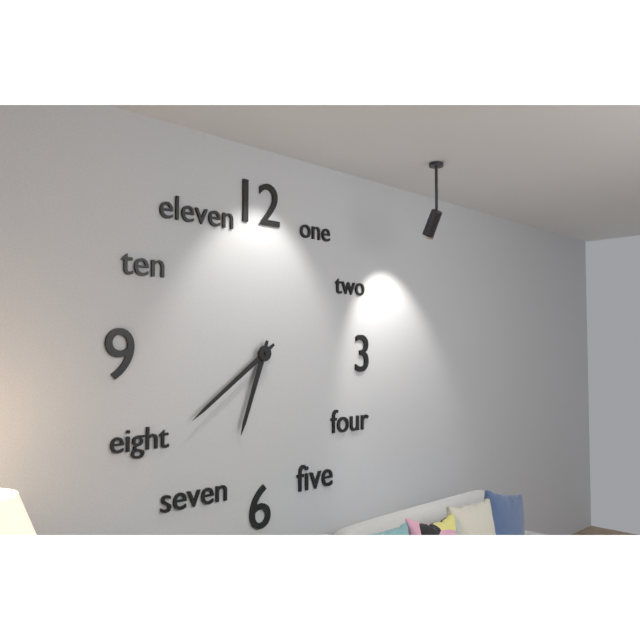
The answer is 6:39
